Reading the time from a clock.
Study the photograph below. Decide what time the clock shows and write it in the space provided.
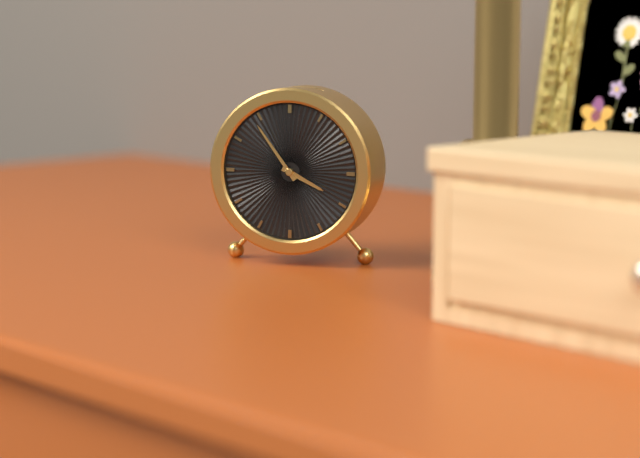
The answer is 3:54
